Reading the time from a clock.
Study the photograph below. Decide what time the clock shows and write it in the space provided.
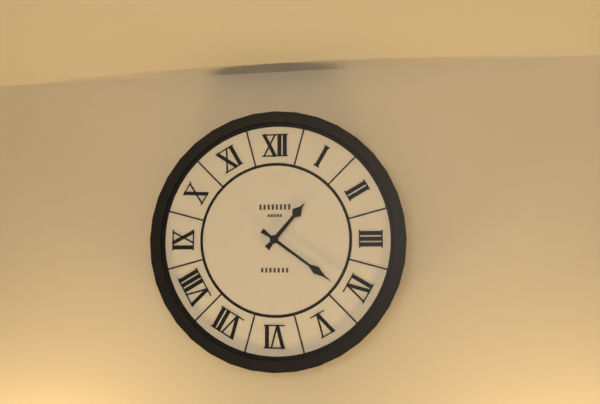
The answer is 1:21
